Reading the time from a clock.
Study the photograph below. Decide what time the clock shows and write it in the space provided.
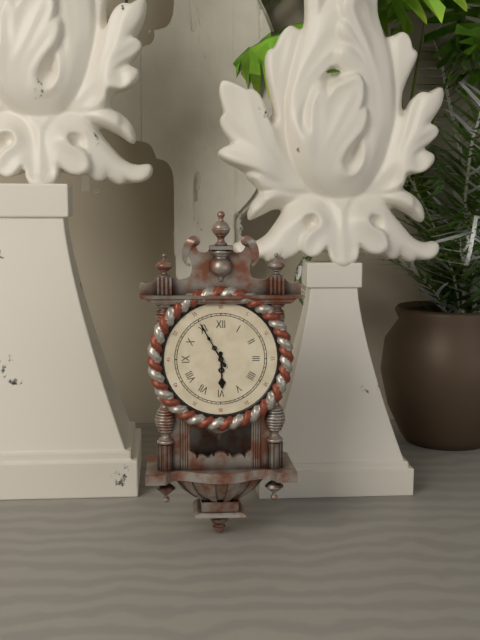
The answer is 5:55
